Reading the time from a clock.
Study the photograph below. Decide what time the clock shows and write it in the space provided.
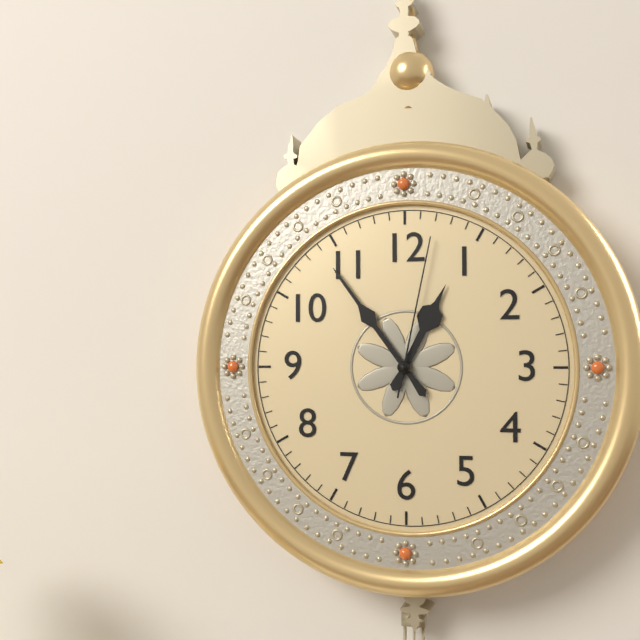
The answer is 12:54:02
